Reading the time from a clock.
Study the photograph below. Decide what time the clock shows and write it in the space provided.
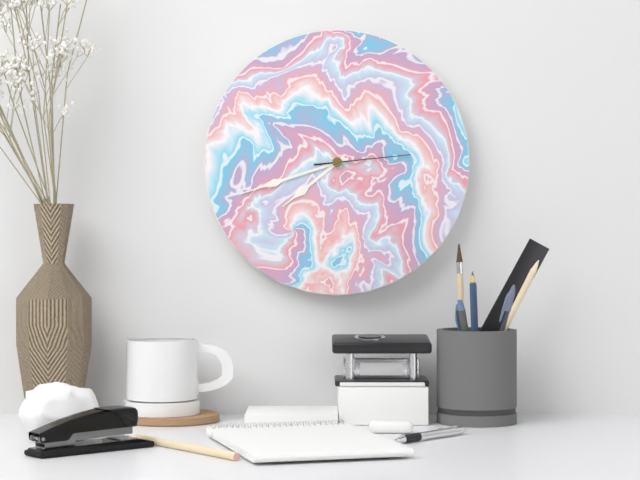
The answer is 7:42:14
